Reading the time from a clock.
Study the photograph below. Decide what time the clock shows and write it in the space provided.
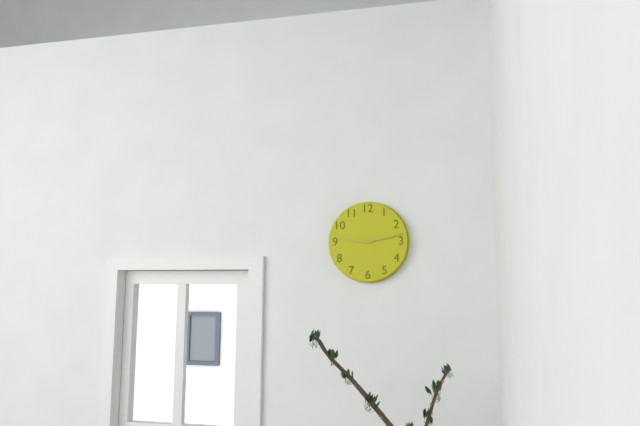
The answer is 9:13
